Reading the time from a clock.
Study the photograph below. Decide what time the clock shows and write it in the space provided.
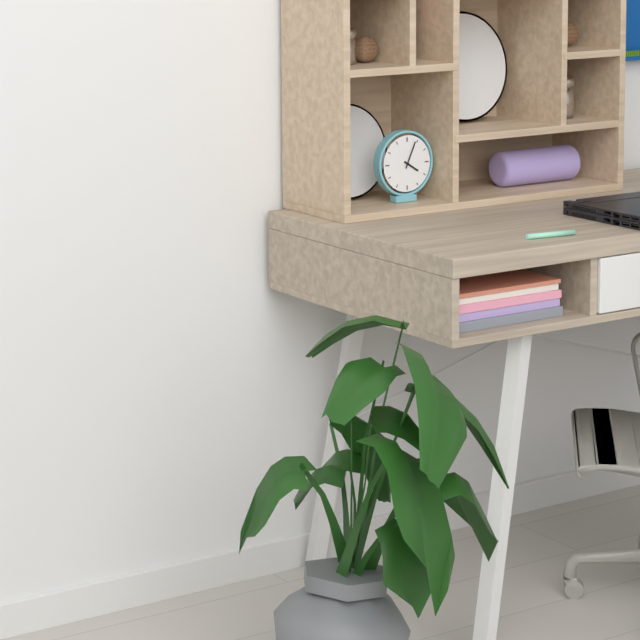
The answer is 4:04
